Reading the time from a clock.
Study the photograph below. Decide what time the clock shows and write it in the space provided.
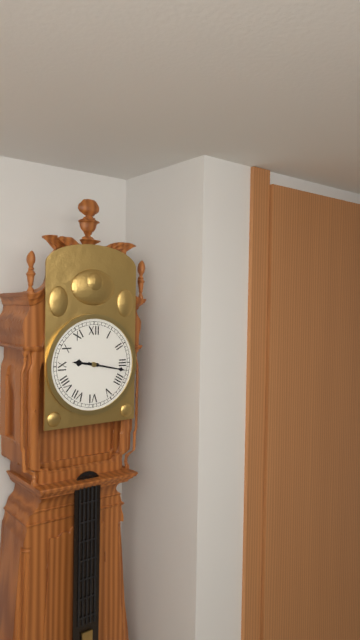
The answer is 9:17
